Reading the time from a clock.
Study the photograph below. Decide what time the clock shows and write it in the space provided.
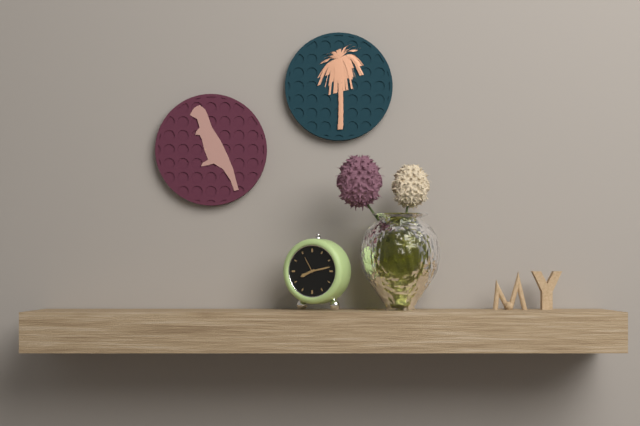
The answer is 8:13
